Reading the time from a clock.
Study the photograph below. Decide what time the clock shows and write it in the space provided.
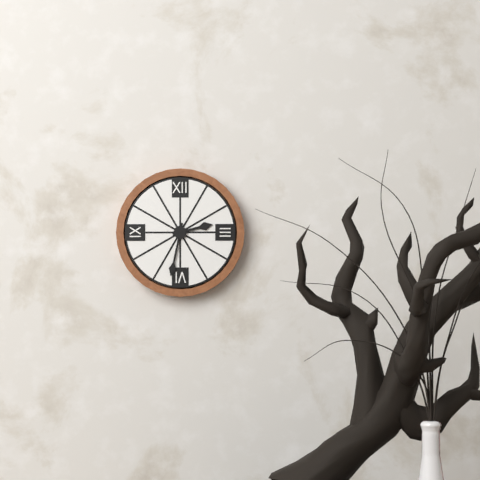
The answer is 2:32
